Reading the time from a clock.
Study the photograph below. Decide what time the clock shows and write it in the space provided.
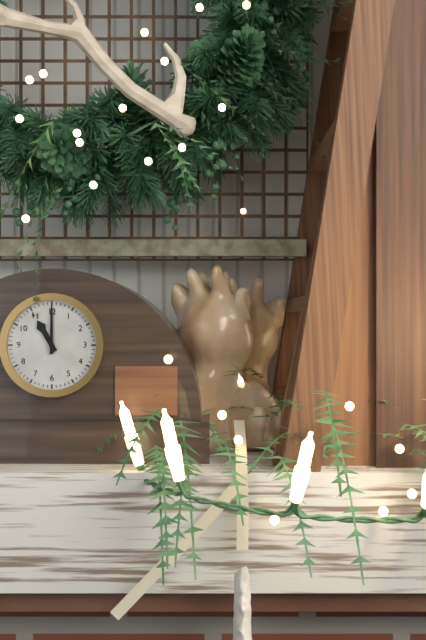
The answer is 11:00
